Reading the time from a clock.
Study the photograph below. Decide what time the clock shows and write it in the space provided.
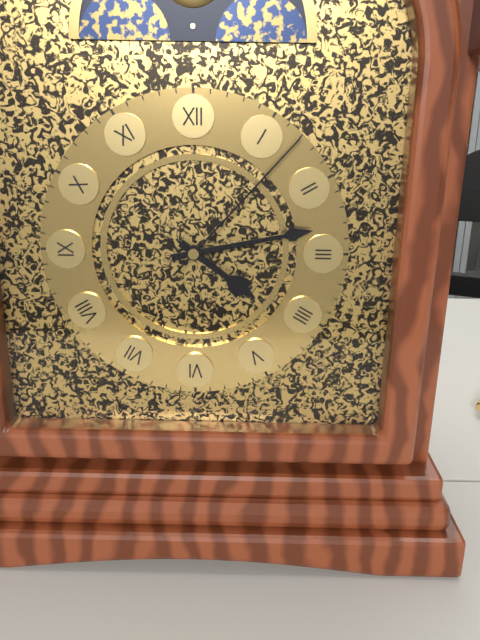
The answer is 4:13:07
